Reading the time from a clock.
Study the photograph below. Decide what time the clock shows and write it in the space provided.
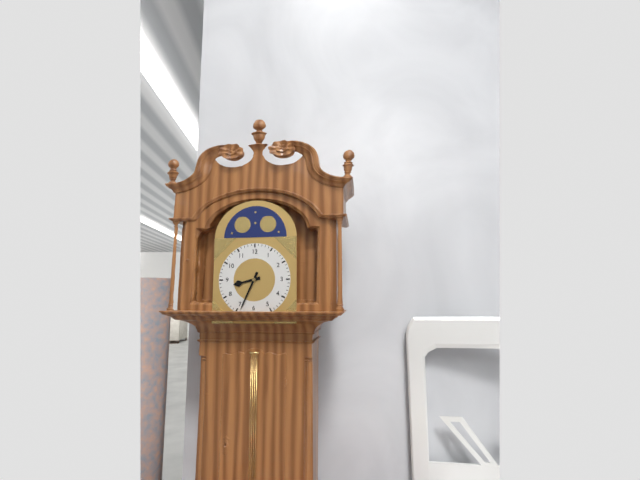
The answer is 8:34
